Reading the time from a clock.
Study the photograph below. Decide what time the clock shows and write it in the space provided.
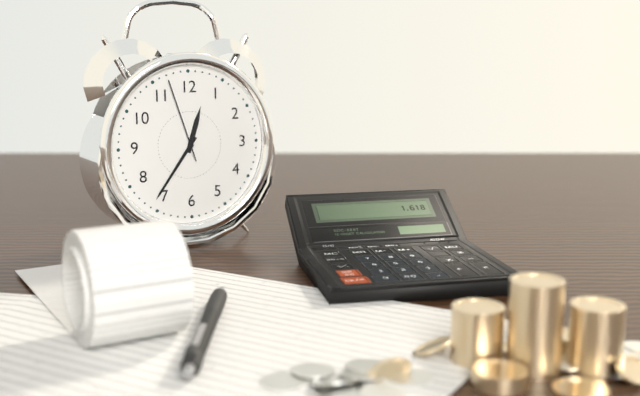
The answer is 12:36:57
